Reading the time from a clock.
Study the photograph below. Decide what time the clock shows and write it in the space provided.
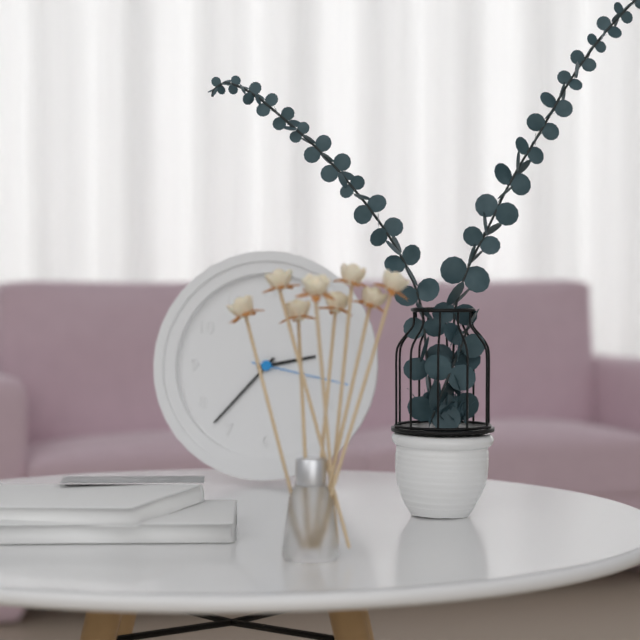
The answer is 2:37:17
